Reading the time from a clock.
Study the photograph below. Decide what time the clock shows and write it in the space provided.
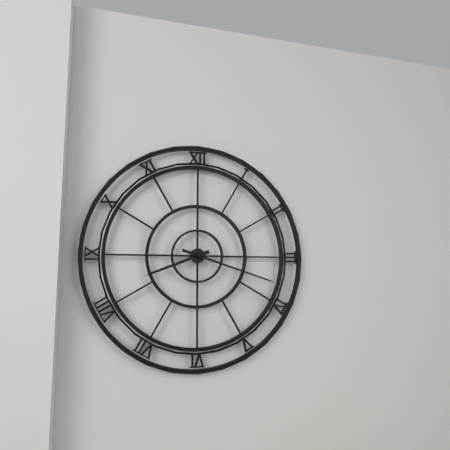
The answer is 8:18
